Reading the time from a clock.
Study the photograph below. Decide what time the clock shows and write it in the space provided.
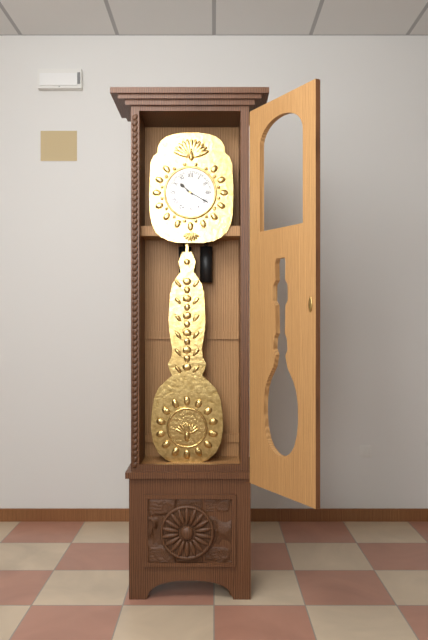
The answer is 10:20
